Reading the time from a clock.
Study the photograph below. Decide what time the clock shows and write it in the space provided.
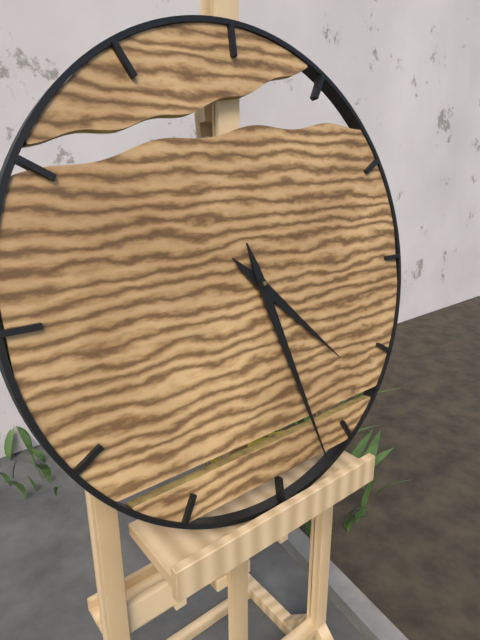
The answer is 4:27
